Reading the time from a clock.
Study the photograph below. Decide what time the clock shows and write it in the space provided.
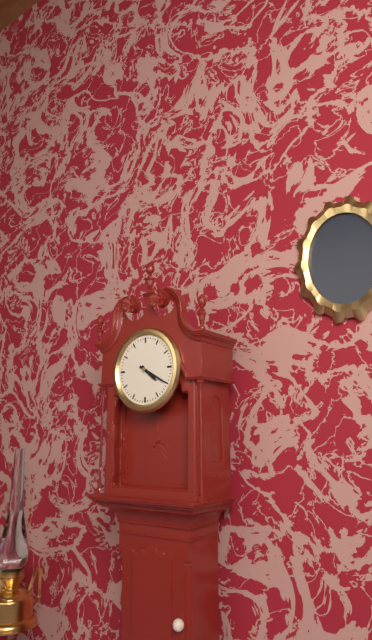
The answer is 4:20
